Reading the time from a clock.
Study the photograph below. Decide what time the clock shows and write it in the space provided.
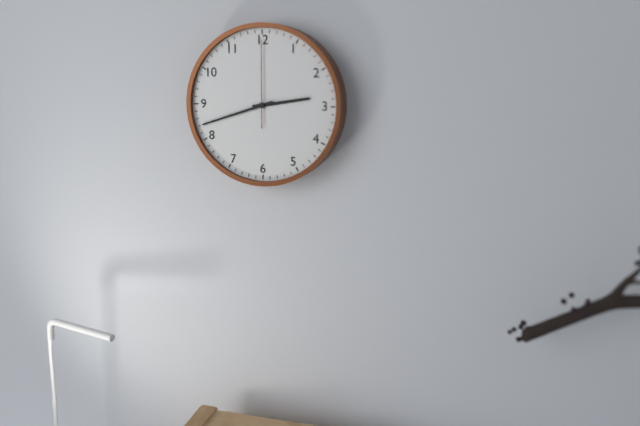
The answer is 2:42:00
